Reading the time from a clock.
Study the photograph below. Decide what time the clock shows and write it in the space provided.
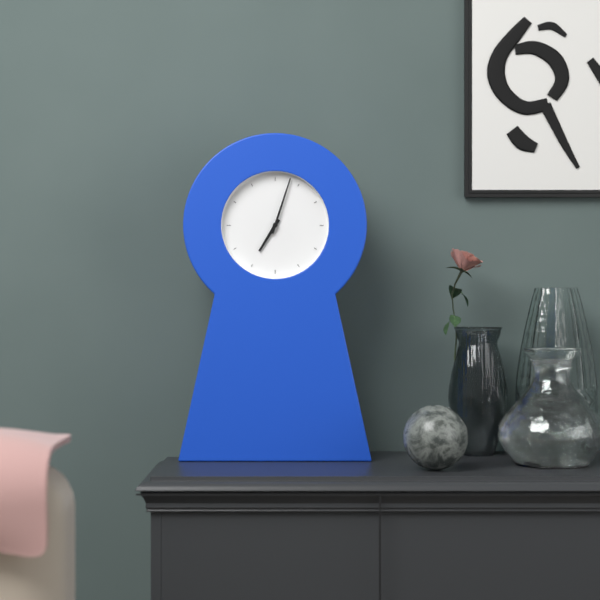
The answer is 7:03
